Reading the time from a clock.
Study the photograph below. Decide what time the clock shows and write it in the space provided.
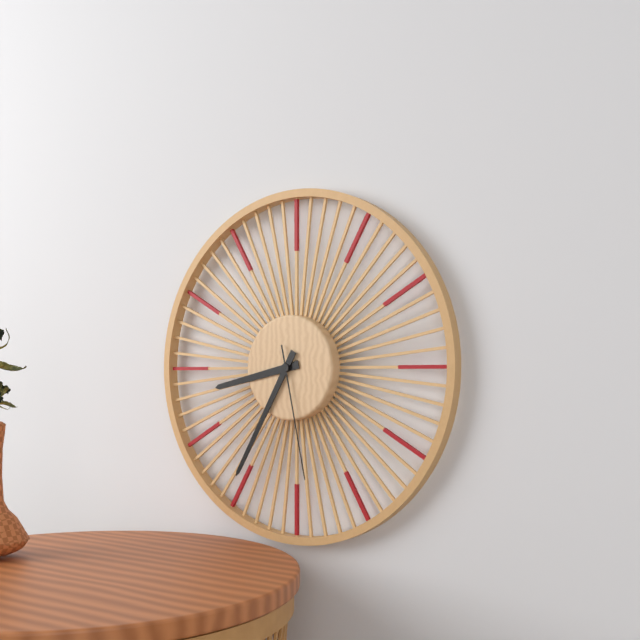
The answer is 8:35:28
